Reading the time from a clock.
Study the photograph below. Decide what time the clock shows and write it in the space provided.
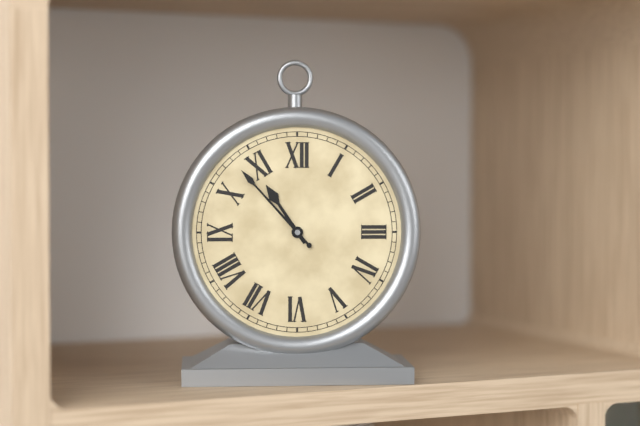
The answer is 10:53
